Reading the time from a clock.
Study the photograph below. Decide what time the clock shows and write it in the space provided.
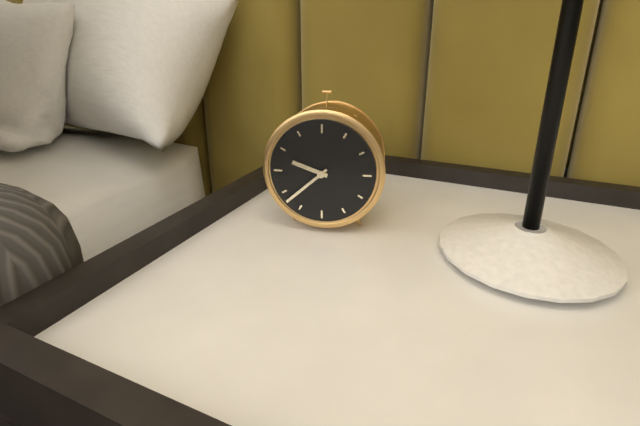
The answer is 9:38
